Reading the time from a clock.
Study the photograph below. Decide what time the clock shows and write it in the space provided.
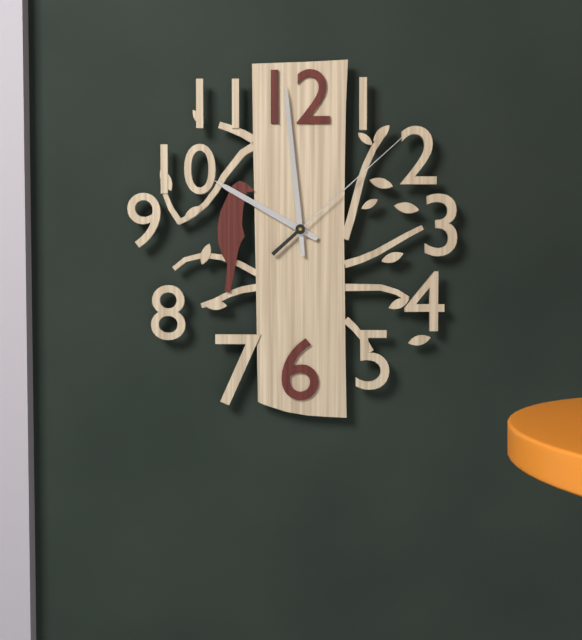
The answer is 9:59:08
